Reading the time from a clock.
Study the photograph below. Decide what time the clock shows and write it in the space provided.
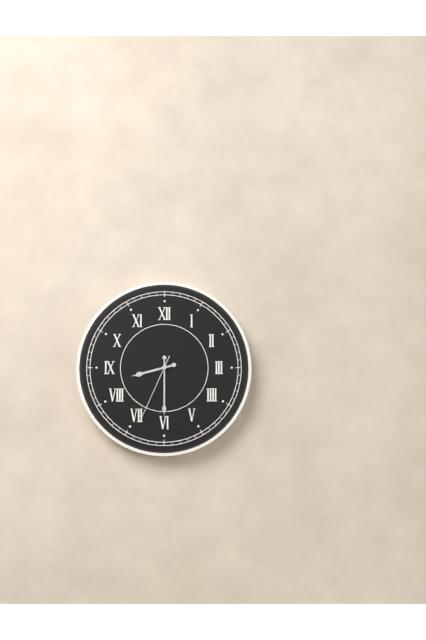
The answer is 8:30:34
